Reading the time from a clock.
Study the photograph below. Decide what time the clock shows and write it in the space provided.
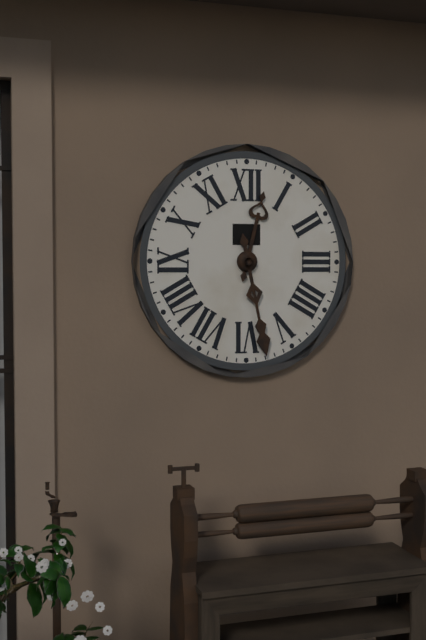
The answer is 12:28
